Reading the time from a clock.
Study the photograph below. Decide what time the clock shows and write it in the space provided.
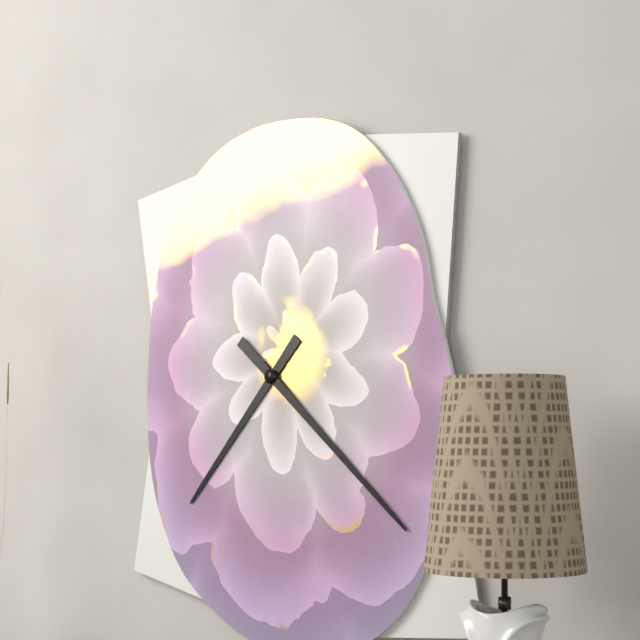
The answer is 7:22
